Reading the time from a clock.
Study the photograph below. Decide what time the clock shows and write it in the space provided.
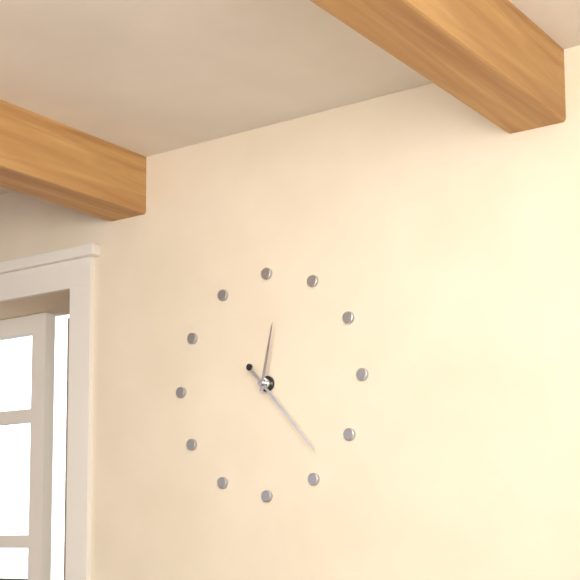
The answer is 12:23
